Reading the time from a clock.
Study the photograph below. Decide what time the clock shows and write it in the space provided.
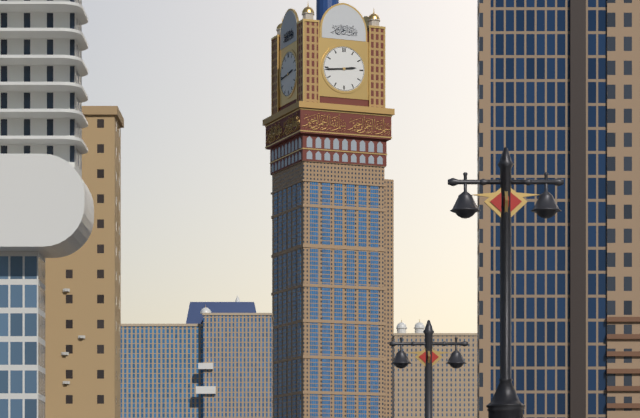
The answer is 2:44
